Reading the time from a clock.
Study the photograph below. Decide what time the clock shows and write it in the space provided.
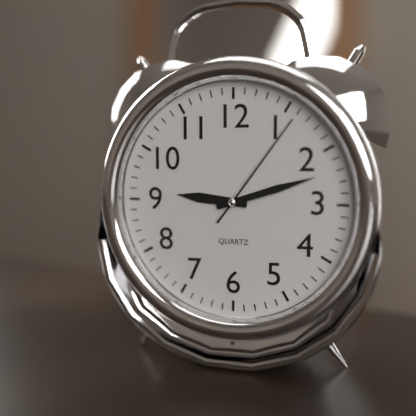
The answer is 9:12:06
